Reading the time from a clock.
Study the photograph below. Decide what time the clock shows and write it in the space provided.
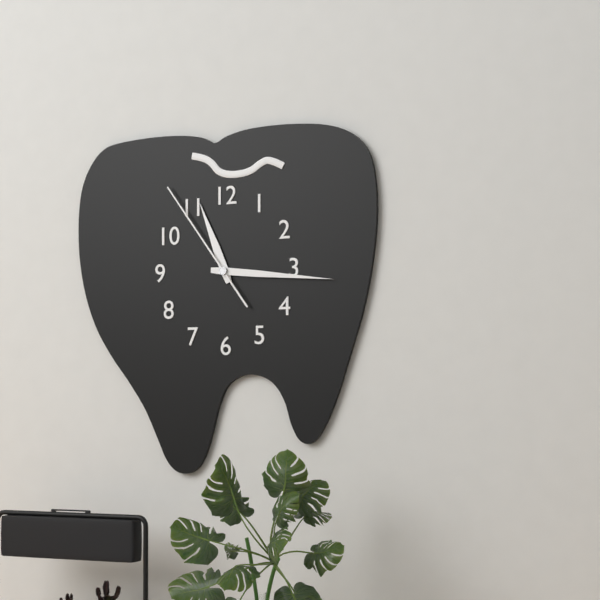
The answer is 11:16:54
